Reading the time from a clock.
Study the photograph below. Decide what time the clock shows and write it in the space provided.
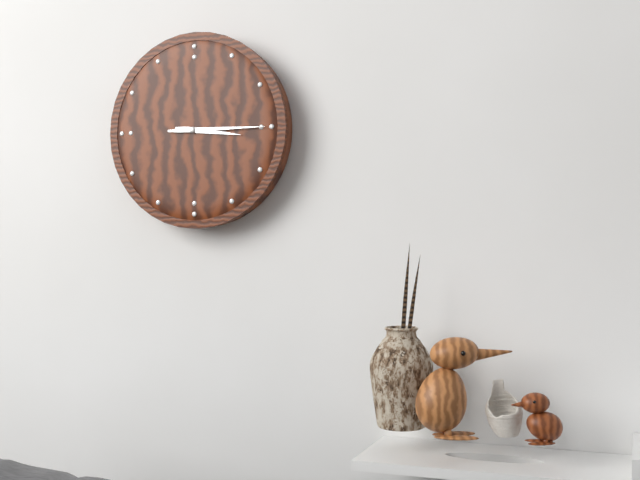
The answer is 3:15
